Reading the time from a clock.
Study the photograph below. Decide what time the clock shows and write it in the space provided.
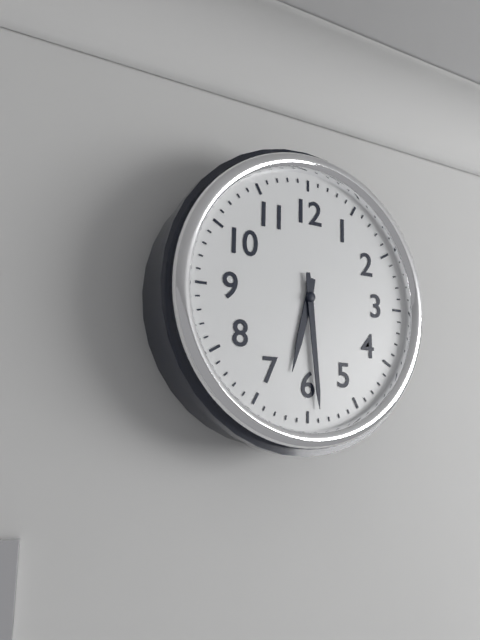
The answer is 6:29
